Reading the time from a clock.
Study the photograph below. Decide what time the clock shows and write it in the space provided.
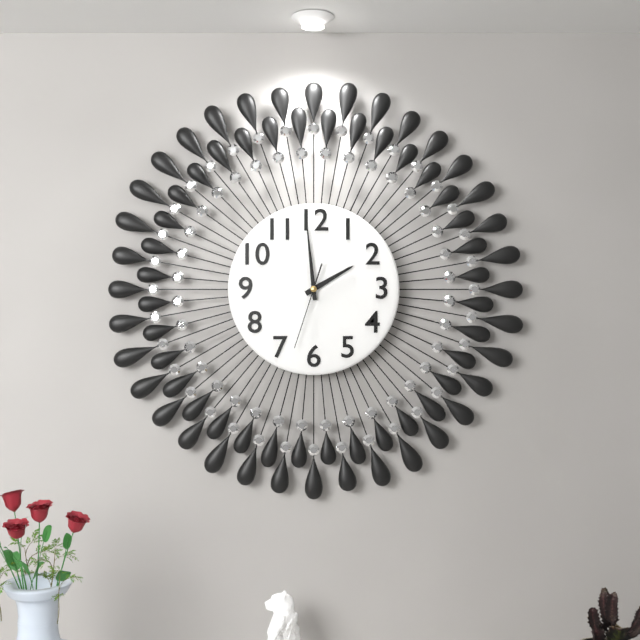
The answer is 1:59:33
